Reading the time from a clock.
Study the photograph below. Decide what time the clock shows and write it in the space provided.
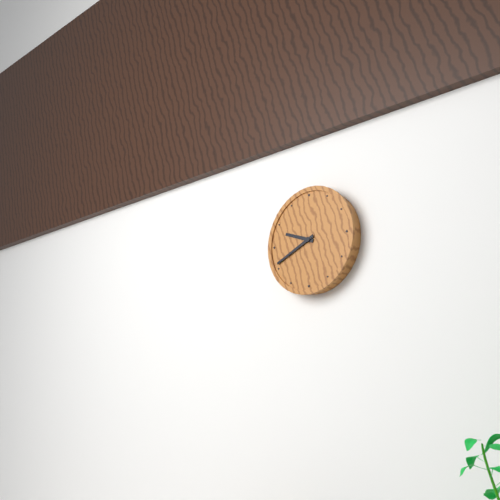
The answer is 9:41
